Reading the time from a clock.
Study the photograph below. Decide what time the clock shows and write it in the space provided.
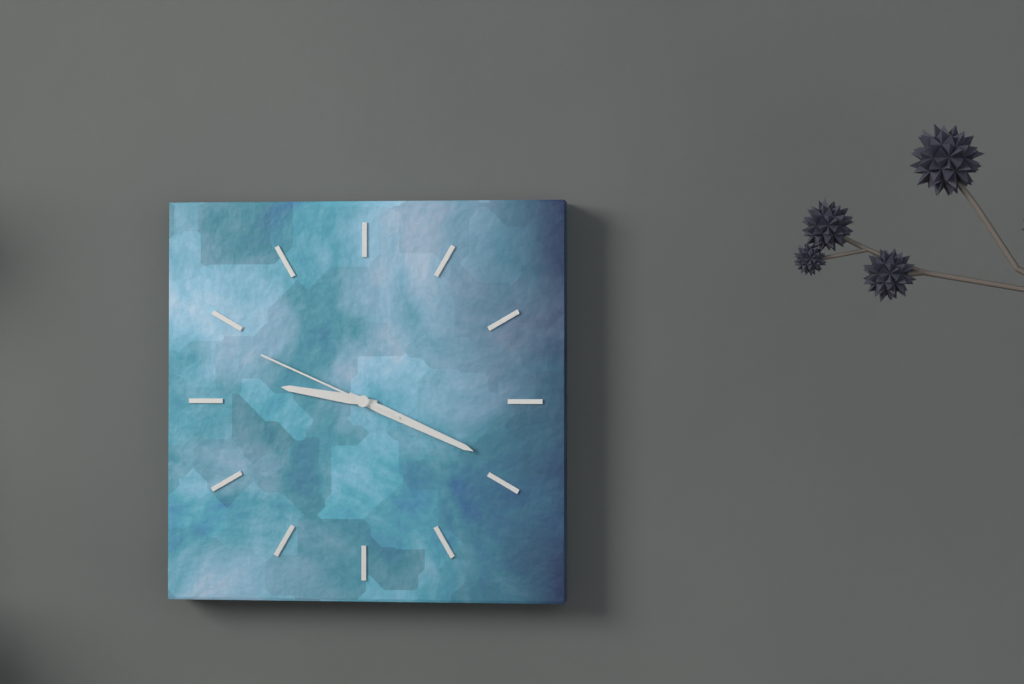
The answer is 9:19:49
